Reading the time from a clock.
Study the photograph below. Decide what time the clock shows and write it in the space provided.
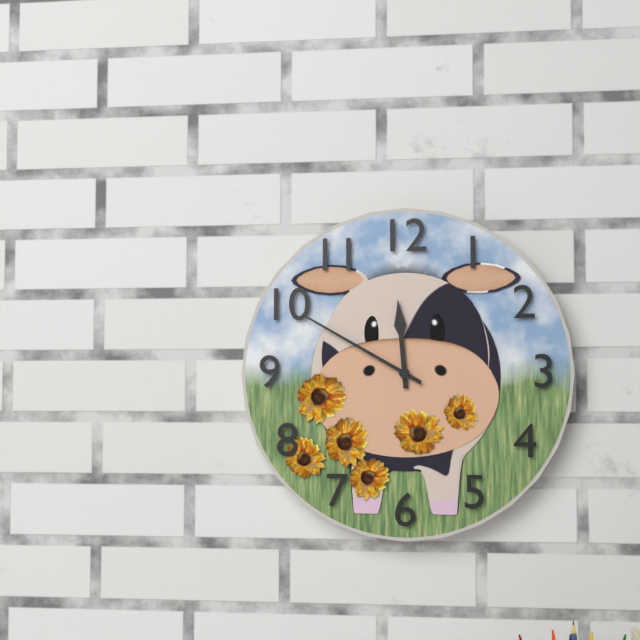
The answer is 11:50
